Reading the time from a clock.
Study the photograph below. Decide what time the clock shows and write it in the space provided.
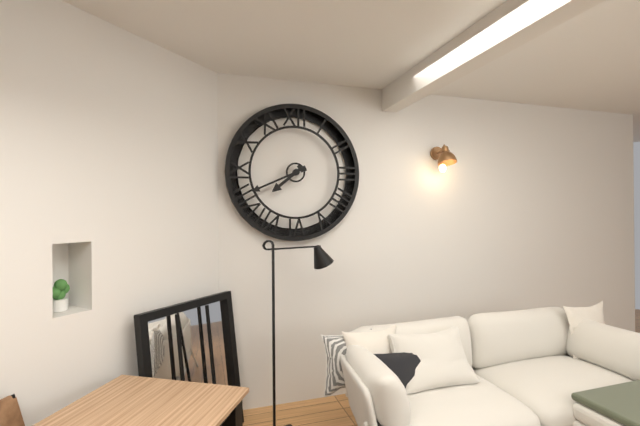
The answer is 7:41
